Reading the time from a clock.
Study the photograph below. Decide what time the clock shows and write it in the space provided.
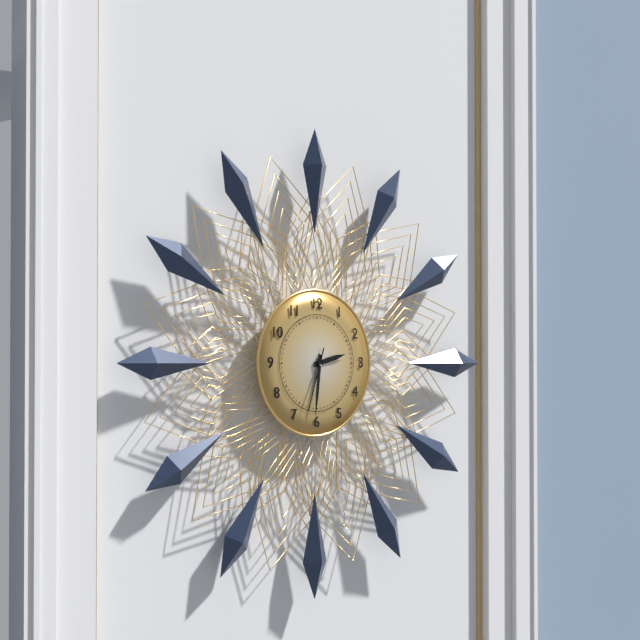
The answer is 2:31:33
